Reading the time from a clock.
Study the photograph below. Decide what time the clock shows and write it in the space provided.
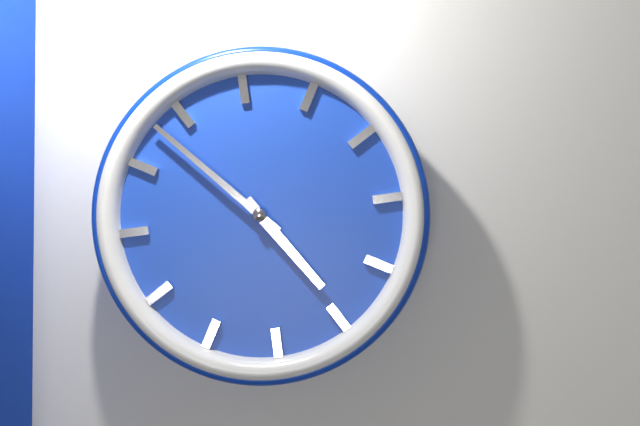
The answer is 4:53
